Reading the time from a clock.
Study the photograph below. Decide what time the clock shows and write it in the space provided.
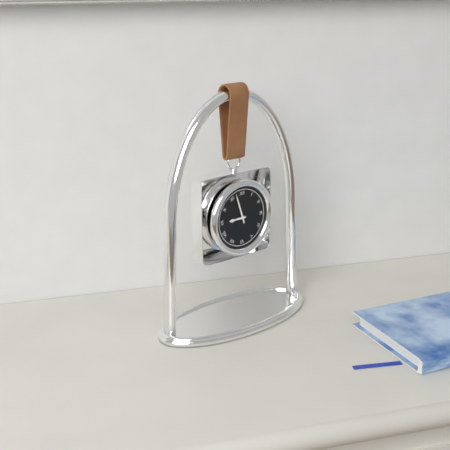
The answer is 8:57
